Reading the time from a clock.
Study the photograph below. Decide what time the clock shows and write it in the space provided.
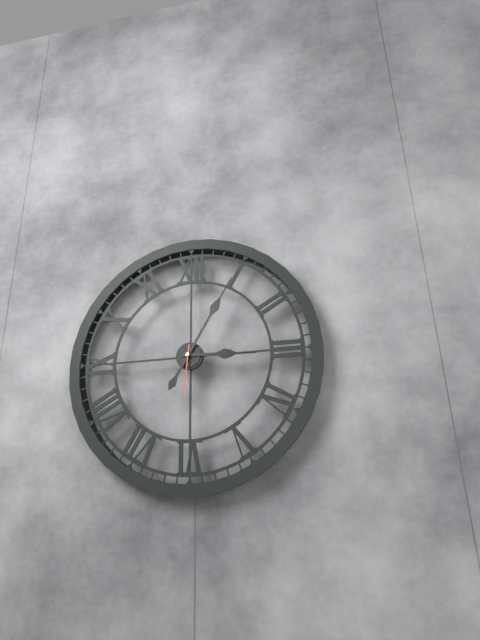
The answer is 3:05:31
